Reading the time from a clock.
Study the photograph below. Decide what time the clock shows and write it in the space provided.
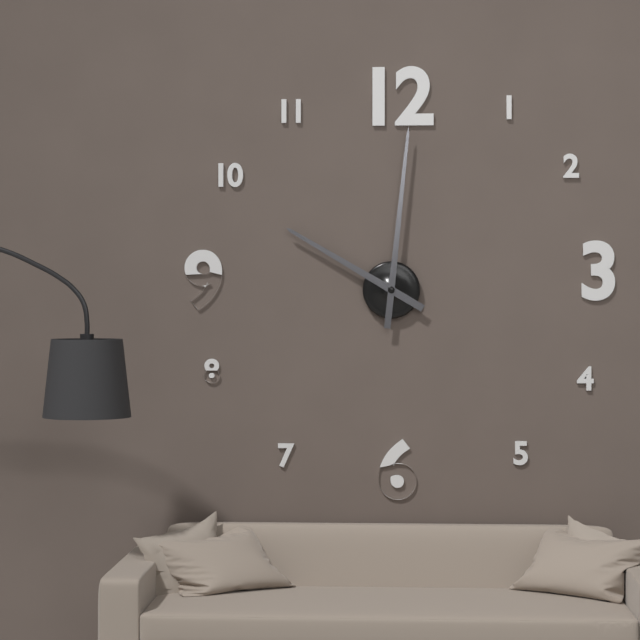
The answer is 10:01
